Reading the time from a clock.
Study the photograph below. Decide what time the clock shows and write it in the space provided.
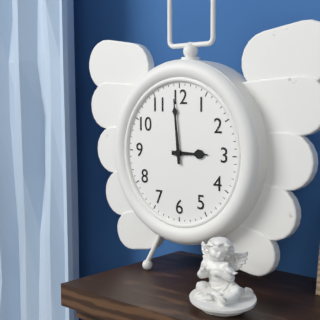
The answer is 2:59
